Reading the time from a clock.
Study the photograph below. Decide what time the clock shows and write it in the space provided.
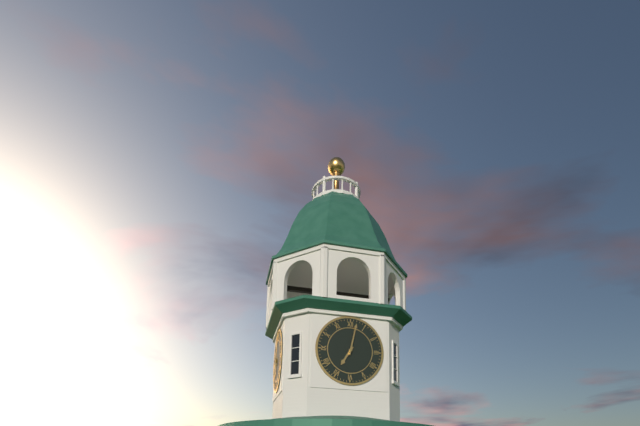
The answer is 7:02
